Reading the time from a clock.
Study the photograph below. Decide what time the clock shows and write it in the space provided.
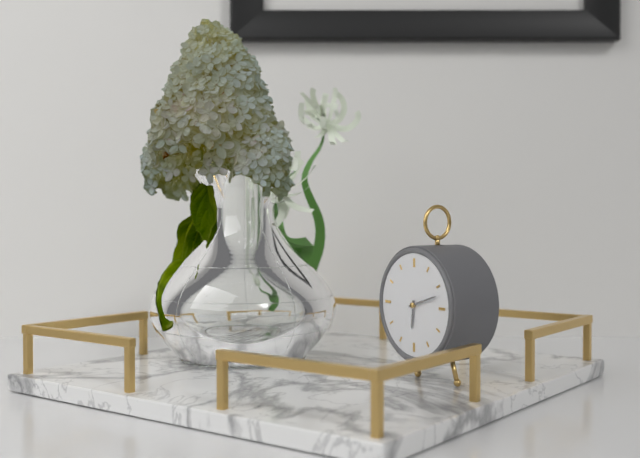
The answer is 6:12
